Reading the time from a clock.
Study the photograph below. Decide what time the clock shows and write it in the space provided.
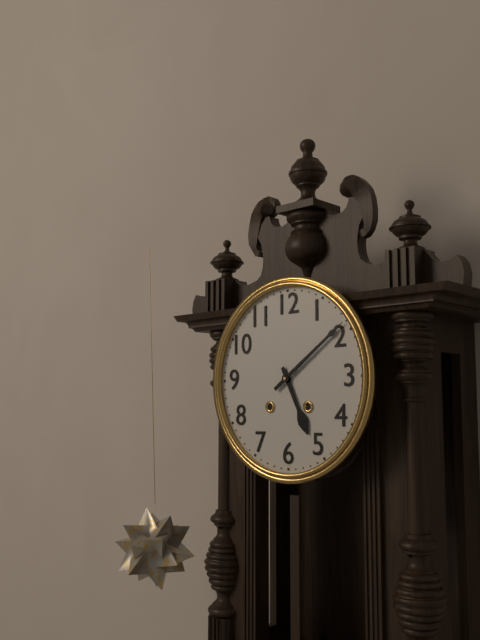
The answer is 5:09
